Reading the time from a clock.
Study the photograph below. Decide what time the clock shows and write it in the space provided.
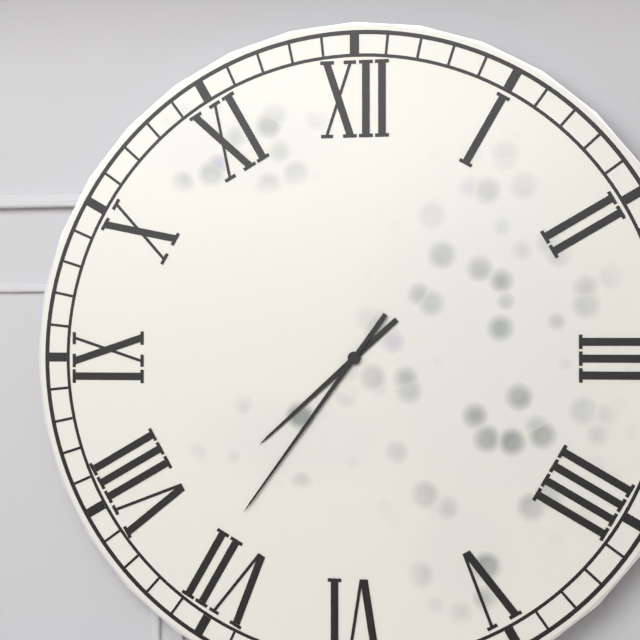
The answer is 7:36
